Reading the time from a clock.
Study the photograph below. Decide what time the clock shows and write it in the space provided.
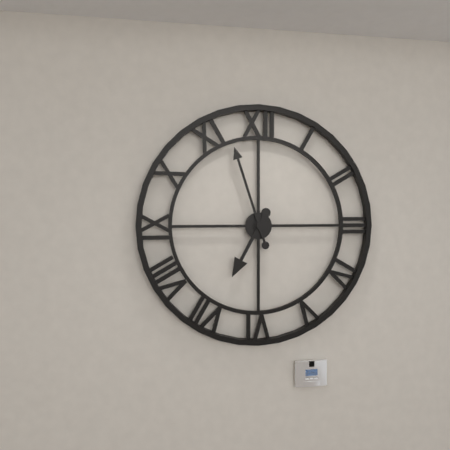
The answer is 6:57
